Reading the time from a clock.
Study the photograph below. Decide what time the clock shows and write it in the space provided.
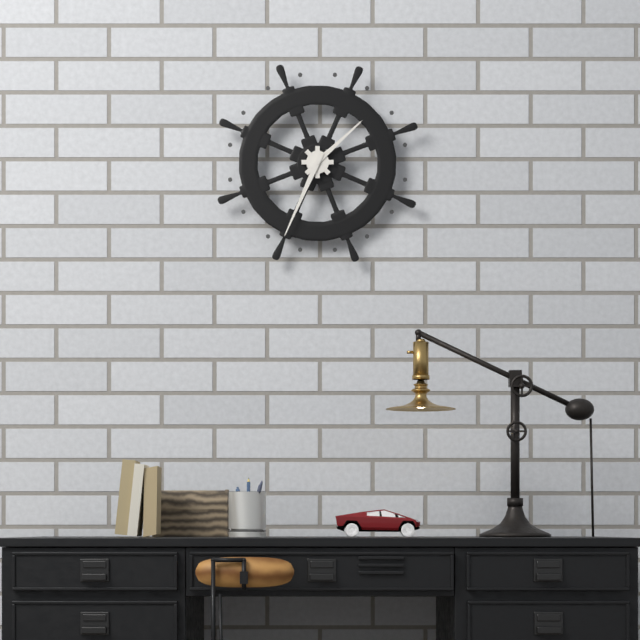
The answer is 1:34
